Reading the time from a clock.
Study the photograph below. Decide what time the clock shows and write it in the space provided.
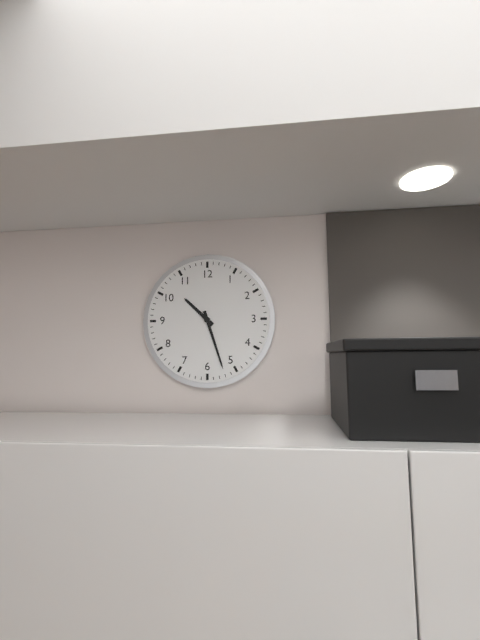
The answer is 10:27
